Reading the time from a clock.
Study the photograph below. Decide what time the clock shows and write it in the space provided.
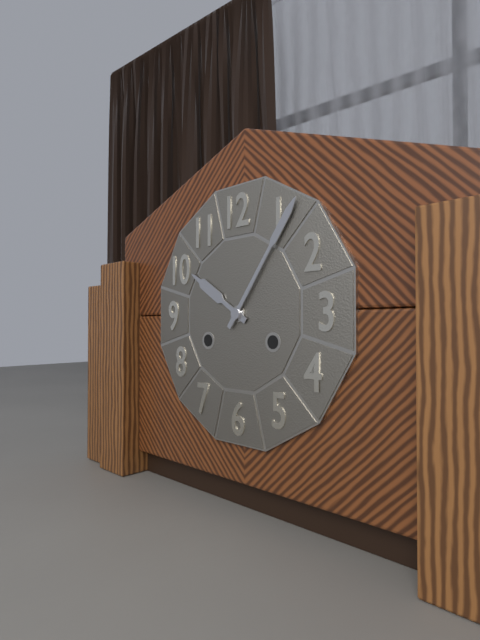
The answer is 10:06
